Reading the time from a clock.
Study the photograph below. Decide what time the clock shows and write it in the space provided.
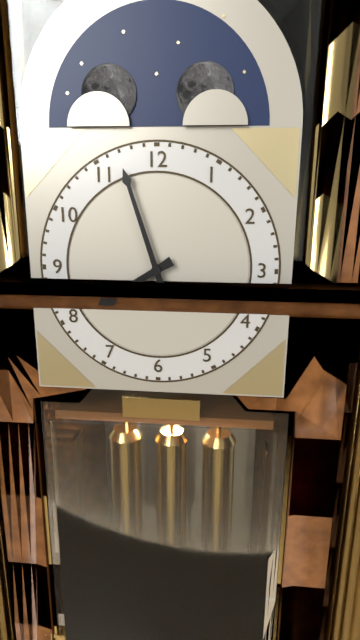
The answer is 7:57
